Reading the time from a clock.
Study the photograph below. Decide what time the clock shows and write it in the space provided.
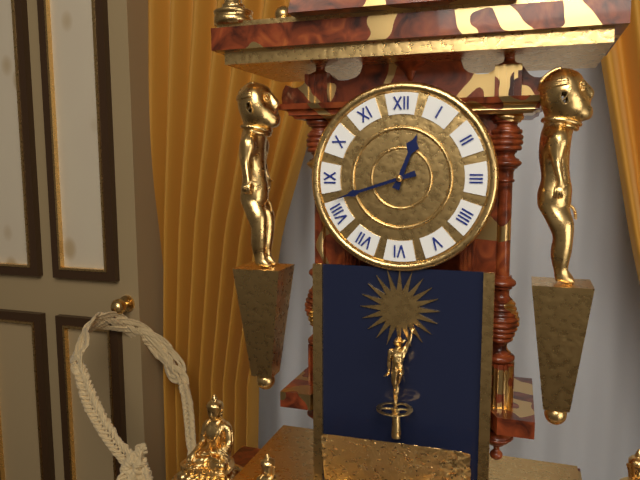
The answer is 12:42
